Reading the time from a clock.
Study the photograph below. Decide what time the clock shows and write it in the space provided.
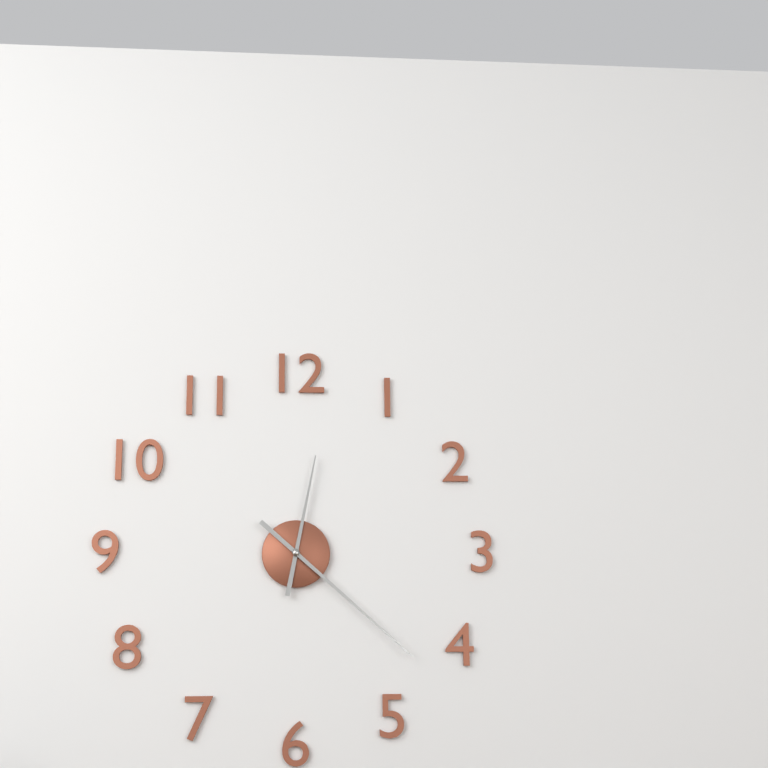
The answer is 12:22
